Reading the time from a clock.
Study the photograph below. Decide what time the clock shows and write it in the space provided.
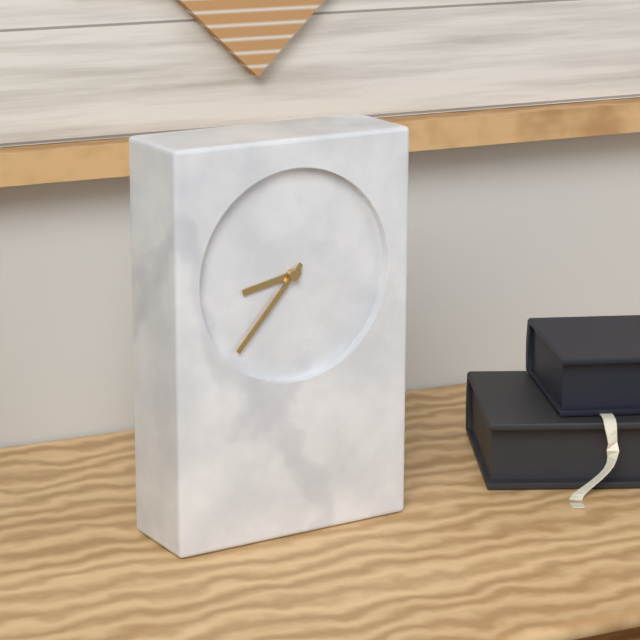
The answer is 8:37
